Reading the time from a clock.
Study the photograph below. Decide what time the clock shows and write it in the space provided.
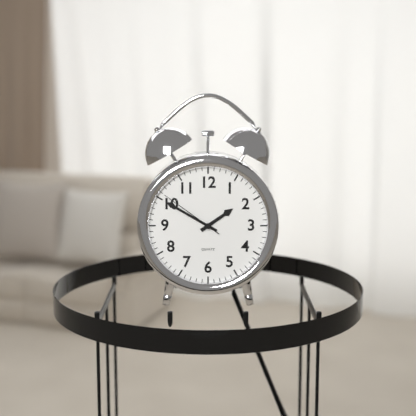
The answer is 1:50:51
